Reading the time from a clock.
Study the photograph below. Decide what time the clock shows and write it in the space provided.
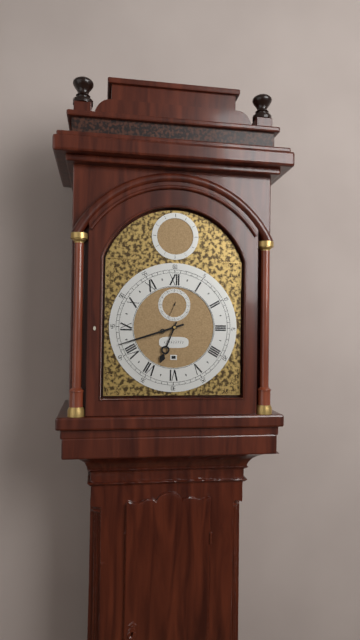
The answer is 6:42
